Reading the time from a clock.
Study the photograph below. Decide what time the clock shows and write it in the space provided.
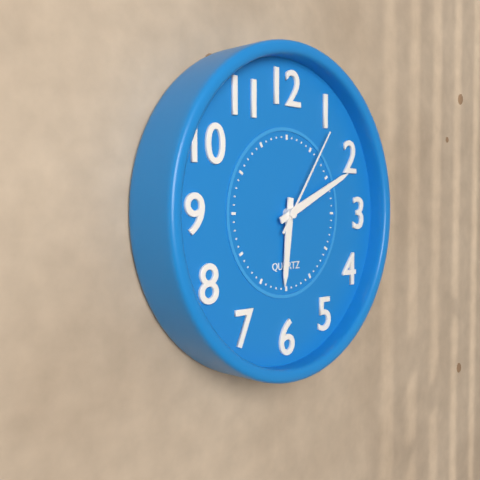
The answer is 6:11:06
